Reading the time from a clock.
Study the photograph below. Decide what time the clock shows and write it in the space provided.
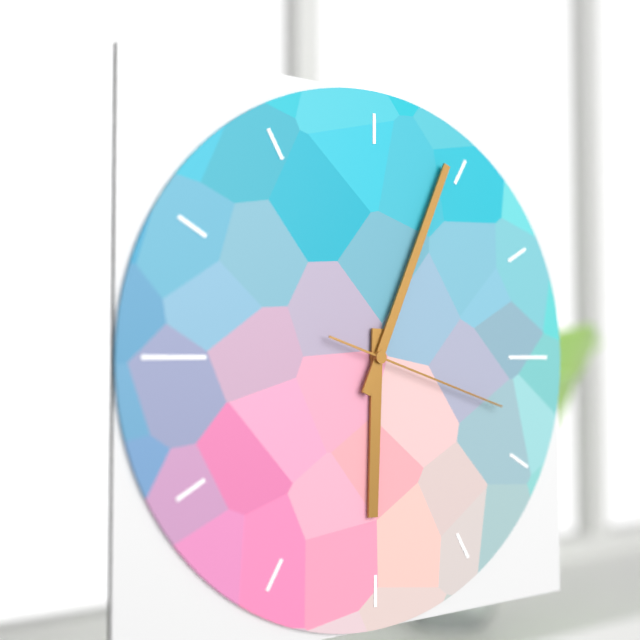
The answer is 6:04:18
